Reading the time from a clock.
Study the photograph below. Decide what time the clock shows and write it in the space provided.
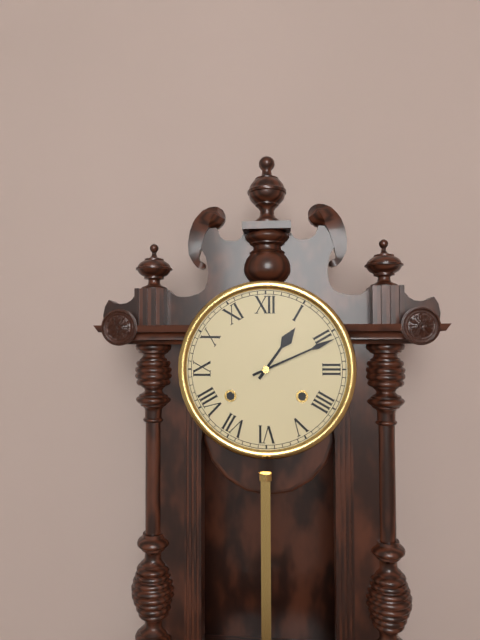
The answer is 1:11
